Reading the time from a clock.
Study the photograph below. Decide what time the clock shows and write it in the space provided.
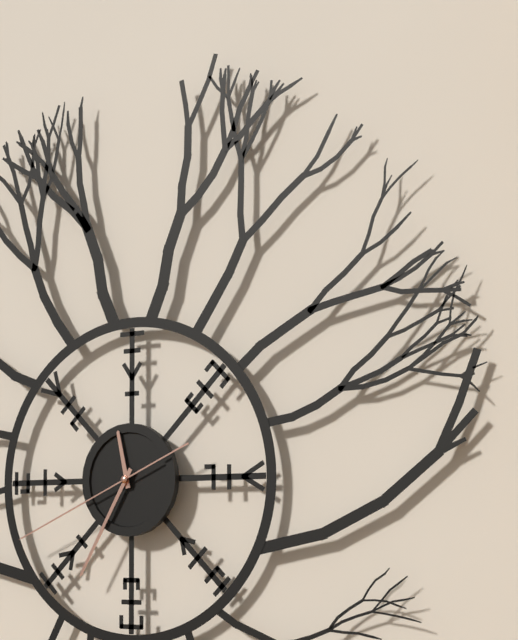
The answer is 11:35:41
